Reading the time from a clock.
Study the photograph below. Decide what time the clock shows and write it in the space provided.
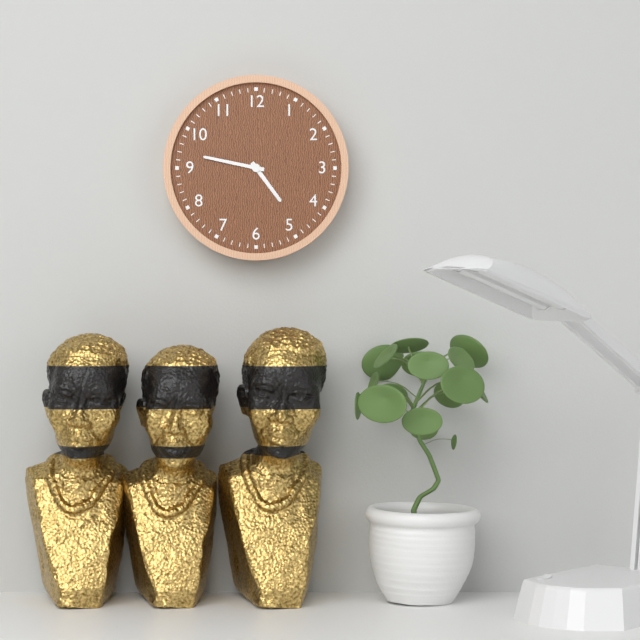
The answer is 4:47
